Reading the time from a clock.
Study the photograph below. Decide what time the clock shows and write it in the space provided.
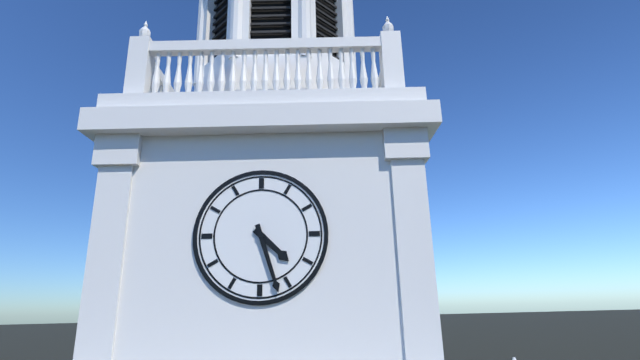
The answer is 4:27
